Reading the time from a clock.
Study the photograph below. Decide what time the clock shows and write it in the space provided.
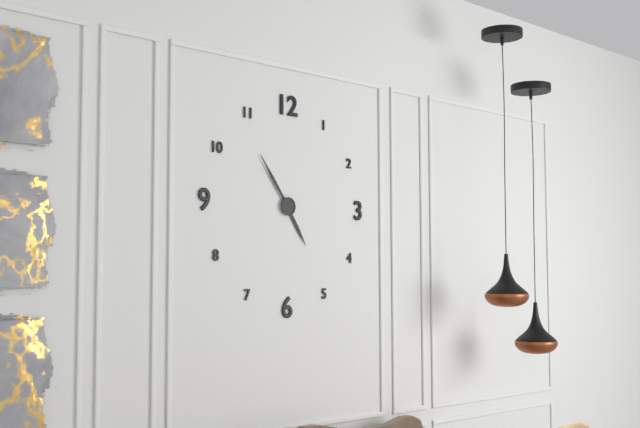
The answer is 4:54
